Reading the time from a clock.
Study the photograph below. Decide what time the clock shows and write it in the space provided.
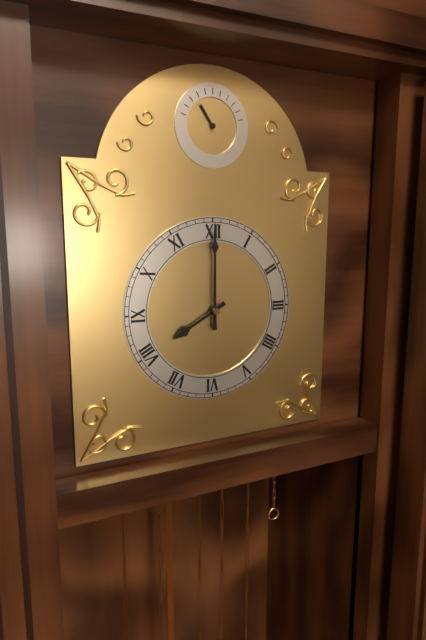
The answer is 8:00
